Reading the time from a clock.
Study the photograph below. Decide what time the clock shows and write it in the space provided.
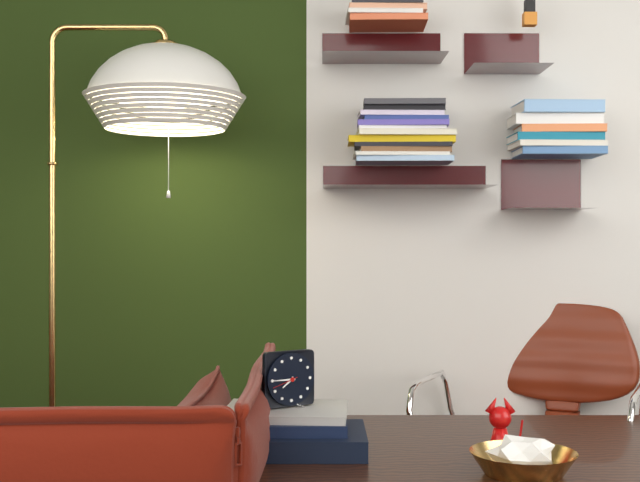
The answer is 7:45
